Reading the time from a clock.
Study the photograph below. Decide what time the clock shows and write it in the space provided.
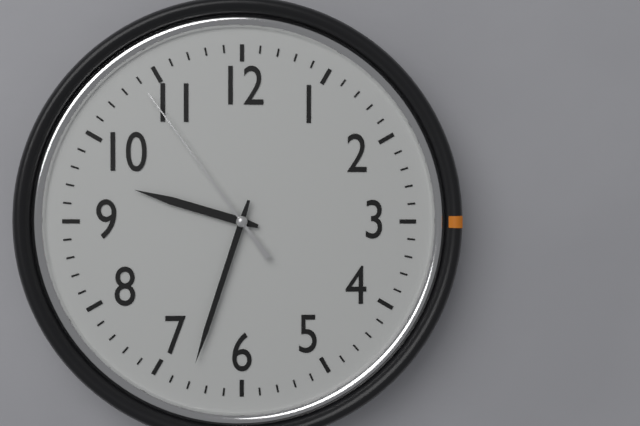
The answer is 9:33:54
